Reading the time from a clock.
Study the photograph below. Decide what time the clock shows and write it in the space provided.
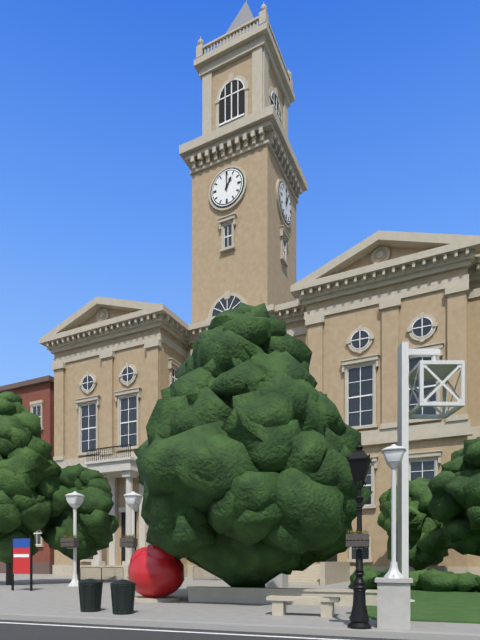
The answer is 1:00
